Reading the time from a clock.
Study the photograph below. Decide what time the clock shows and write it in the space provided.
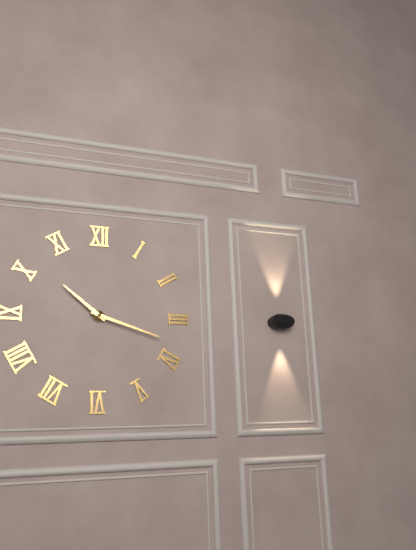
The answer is 10:18
